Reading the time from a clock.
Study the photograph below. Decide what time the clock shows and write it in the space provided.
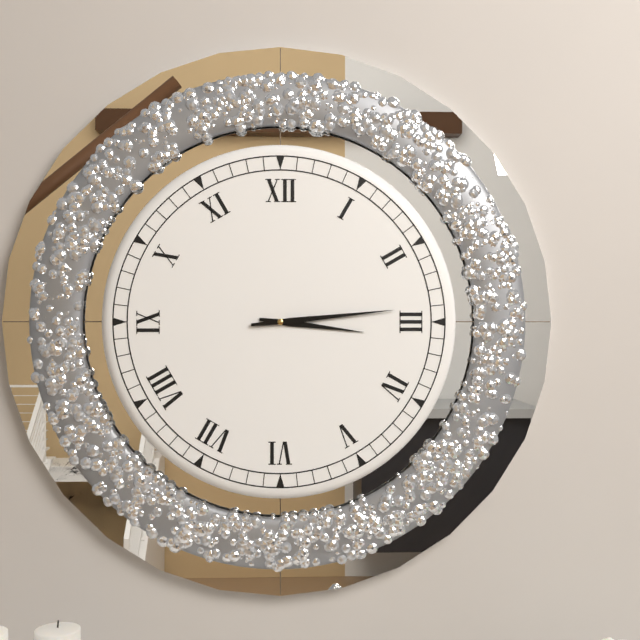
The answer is 3:14
